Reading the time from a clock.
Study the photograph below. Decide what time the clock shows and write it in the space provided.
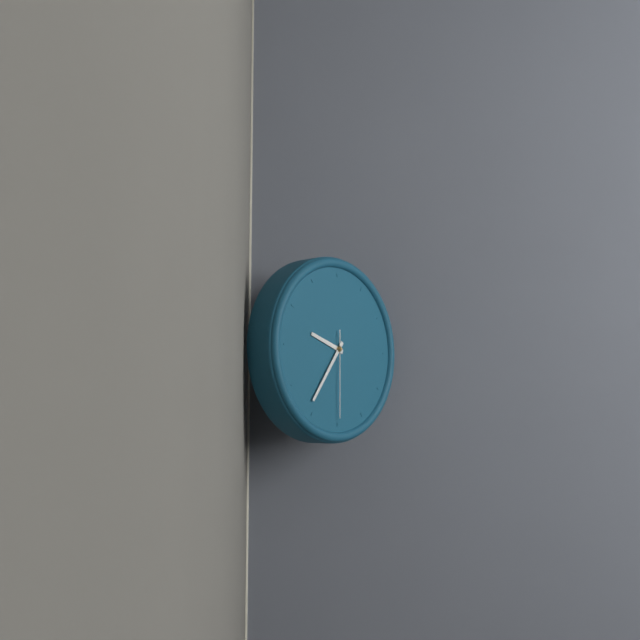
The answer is 9:36:30
